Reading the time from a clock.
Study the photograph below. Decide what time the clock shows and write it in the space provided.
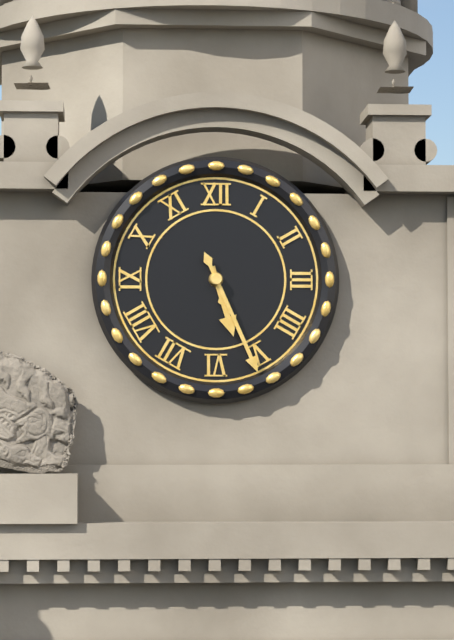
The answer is 5:26
